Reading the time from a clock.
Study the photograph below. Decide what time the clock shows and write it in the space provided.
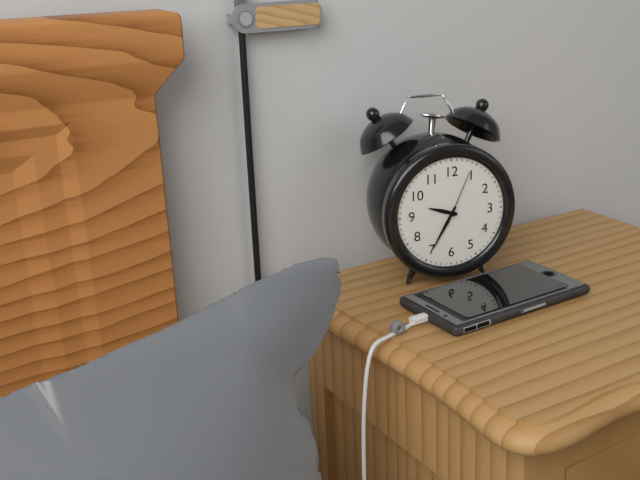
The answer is 9:35:04
